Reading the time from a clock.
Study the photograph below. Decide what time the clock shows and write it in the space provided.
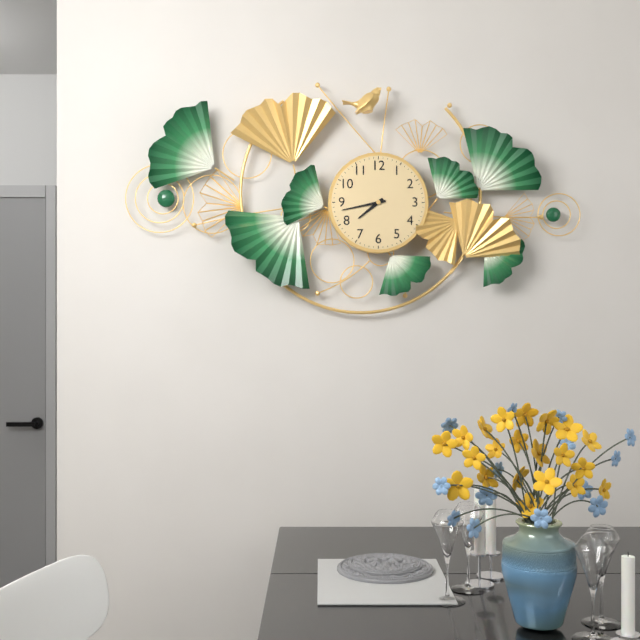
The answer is 7:43
